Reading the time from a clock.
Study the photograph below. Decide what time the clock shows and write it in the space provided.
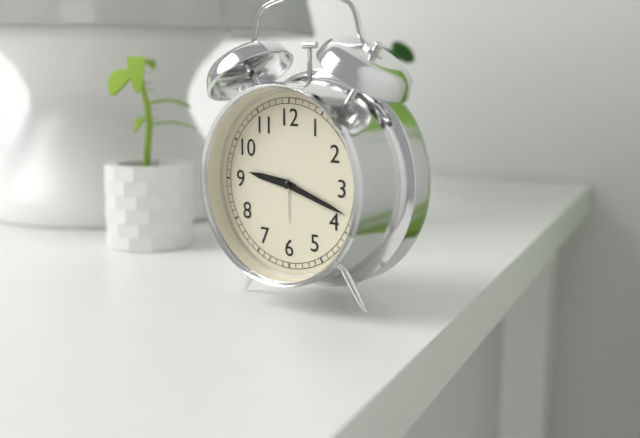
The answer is 9:18
